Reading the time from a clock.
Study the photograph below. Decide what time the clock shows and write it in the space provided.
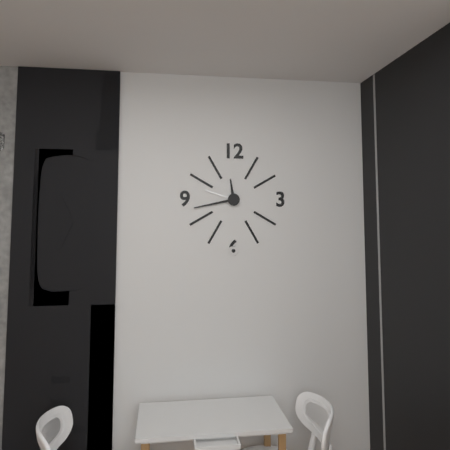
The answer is 11:43
